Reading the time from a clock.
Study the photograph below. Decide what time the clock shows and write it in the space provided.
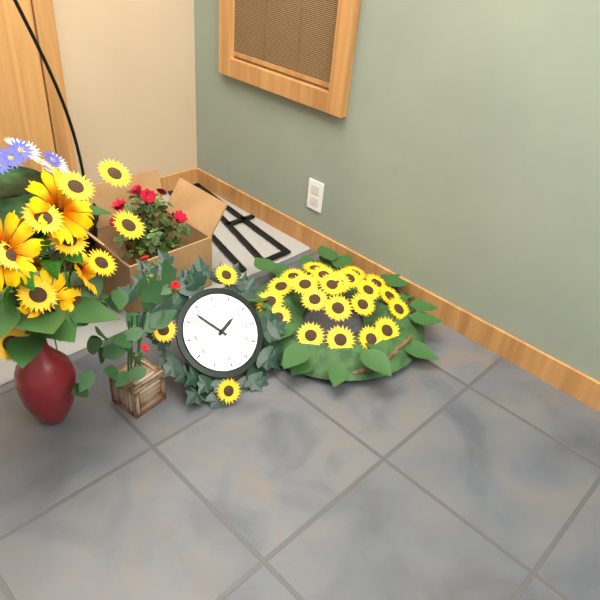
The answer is 1:53
